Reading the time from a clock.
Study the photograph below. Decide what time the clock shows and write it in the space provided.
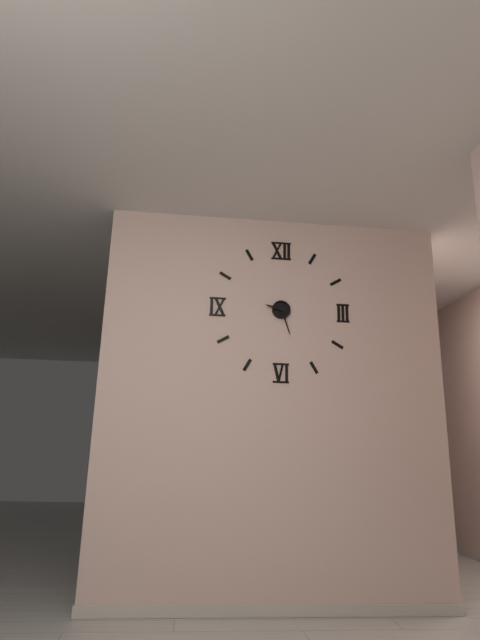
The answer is 9:27
